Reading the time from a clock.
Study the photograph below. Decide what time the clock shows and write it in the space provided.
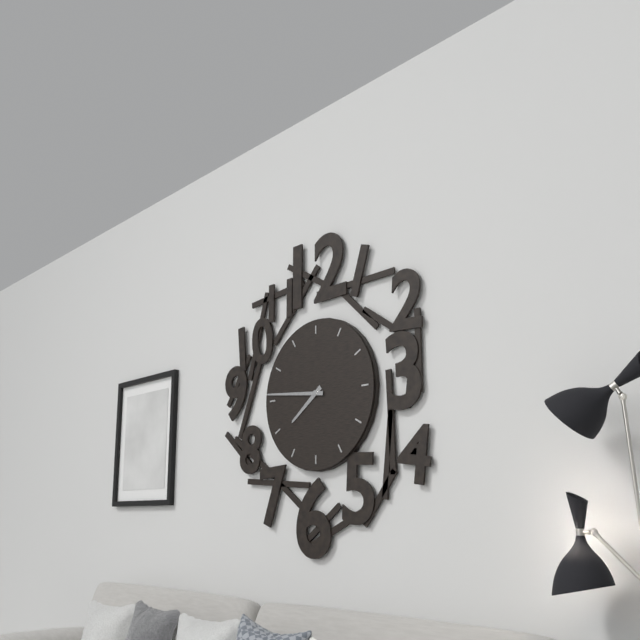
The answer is 7:46
